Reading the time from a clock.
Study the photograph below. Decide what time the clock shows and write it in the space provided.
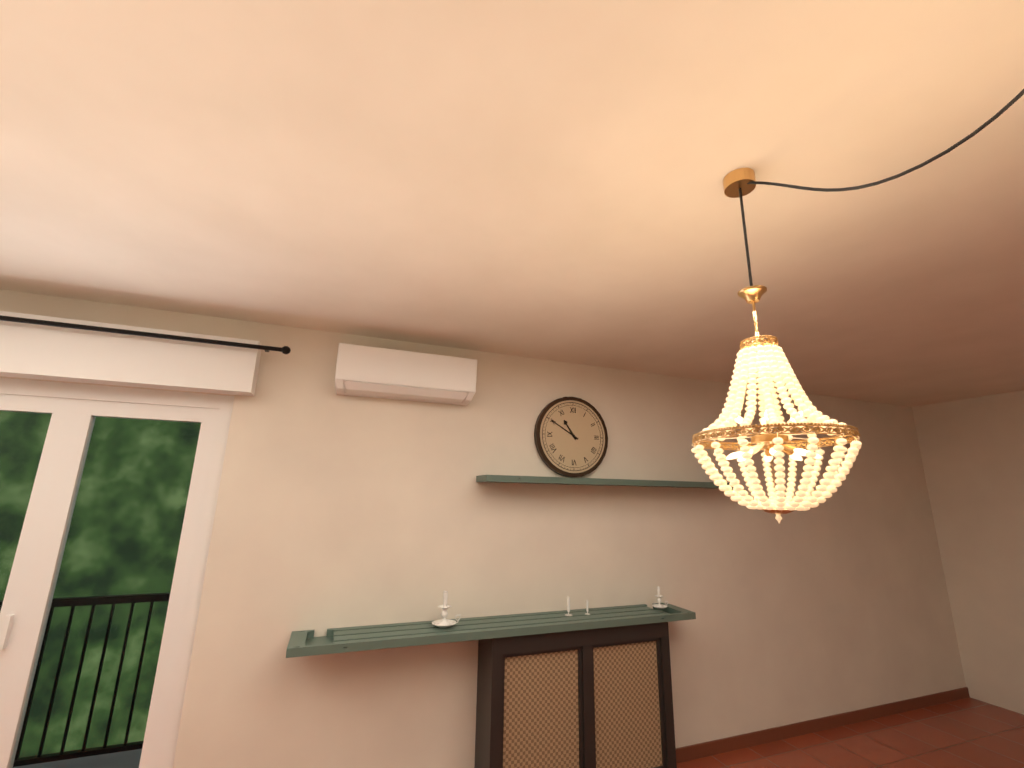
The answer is 10:50
